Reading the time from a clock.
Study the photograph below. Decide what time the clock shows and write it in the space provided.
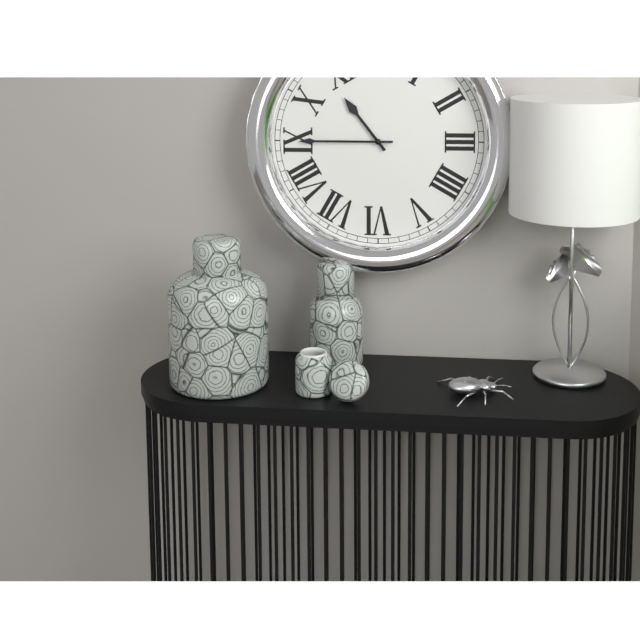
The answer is 10:45
